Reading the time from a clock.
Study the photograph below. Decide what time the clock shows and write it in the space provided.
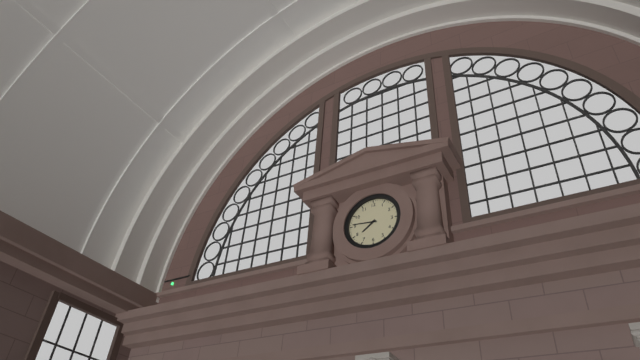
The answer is 7:46
